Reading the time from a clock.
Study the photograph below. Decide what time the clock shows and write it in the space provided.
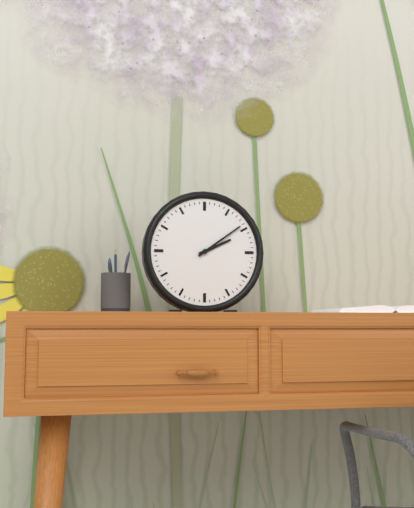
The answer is 2:09
